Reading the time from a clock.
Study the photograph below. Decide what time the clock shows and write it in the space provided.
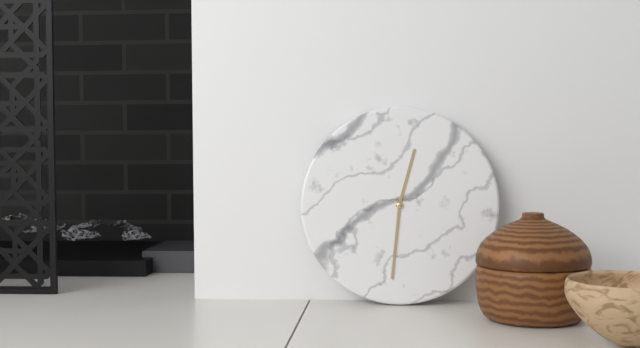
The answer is 12:31
